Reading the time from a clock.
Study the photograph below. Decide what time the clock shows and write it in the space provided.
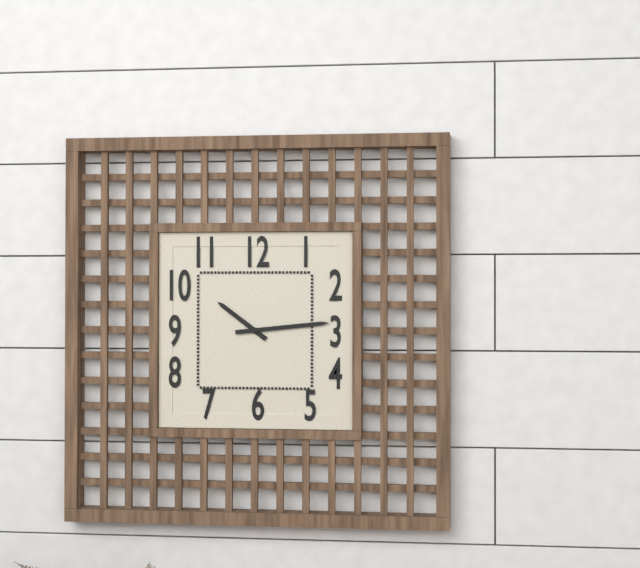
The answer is 10:14
